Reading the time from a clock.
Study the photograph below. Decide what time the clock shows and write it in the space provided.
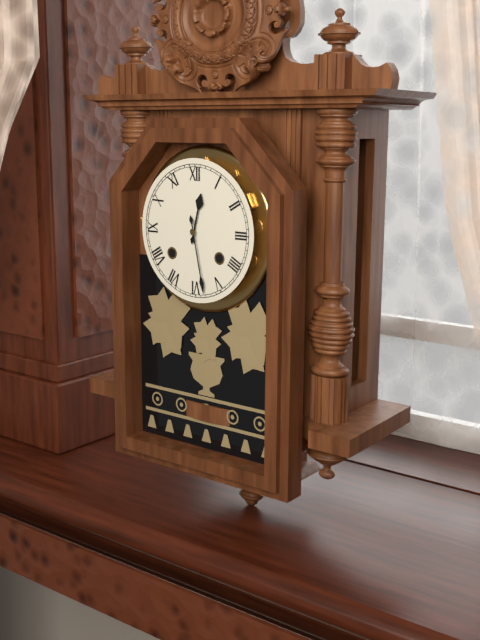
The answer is 12:28
